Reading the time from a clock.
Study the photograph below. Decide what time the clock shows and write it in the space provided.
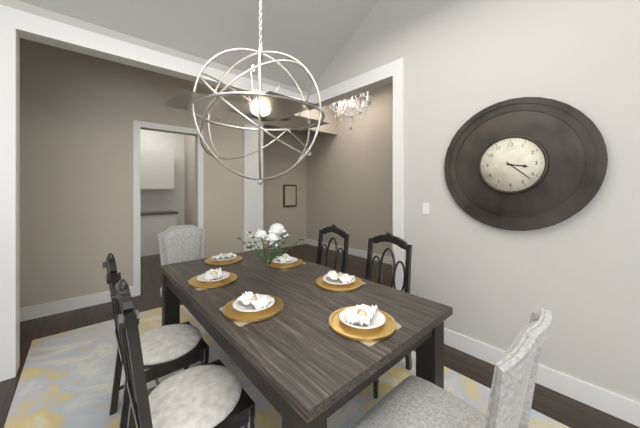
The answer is 3:22
